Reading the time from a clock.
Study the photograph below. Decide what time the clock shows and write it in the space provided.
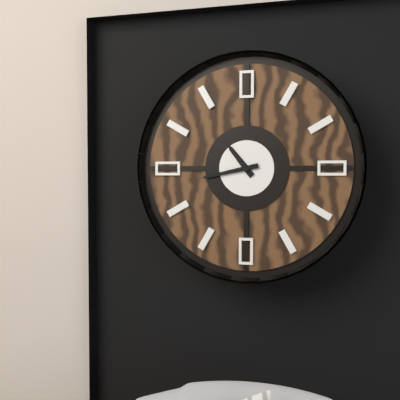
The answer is 10:43
